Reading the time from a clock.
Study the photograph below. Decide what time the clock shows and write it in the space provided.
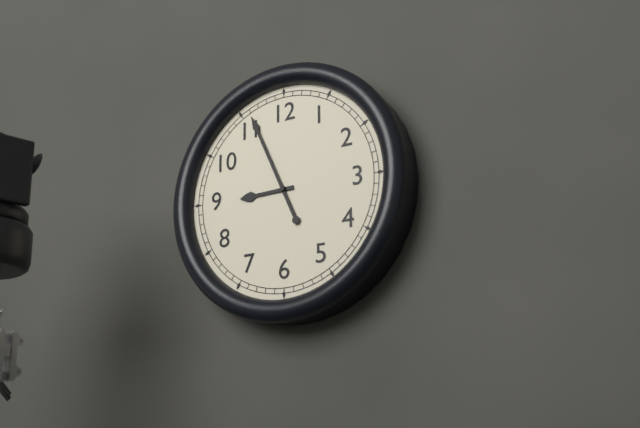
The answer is 8:56
